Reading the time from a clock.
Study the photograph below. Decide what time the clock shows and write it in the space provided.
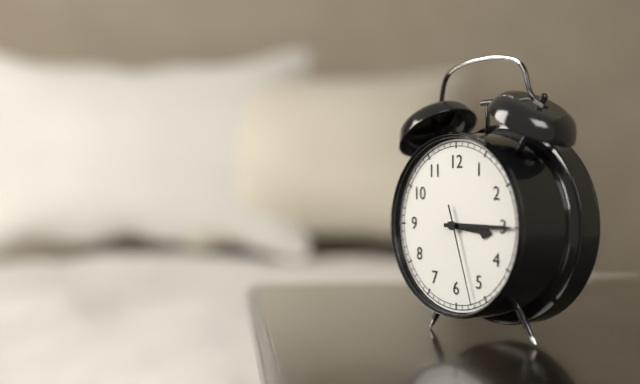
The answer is 3:15:27
